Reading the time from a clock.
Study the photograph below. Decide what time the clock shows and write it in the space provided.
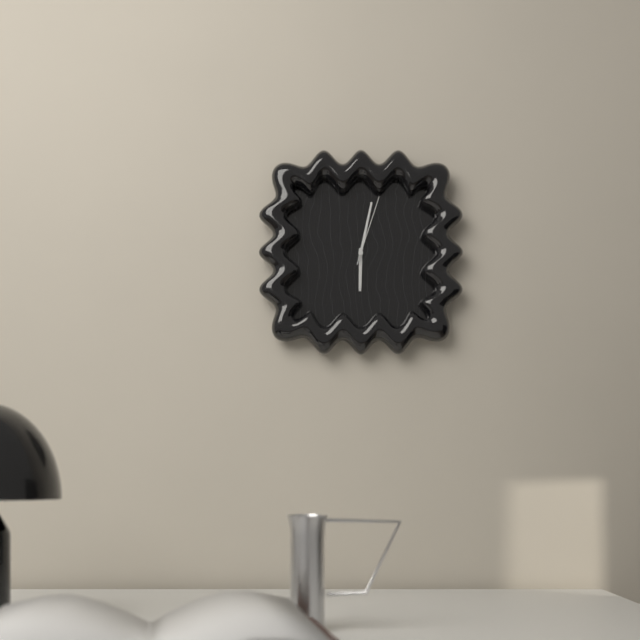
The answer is 6:02:03
